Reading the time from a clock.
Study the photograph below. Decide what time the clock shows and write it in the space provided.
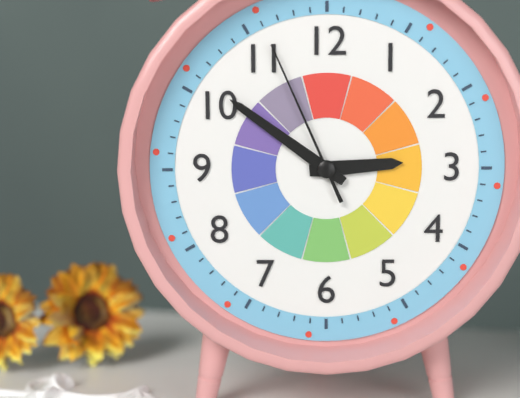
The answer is 2:51:56
